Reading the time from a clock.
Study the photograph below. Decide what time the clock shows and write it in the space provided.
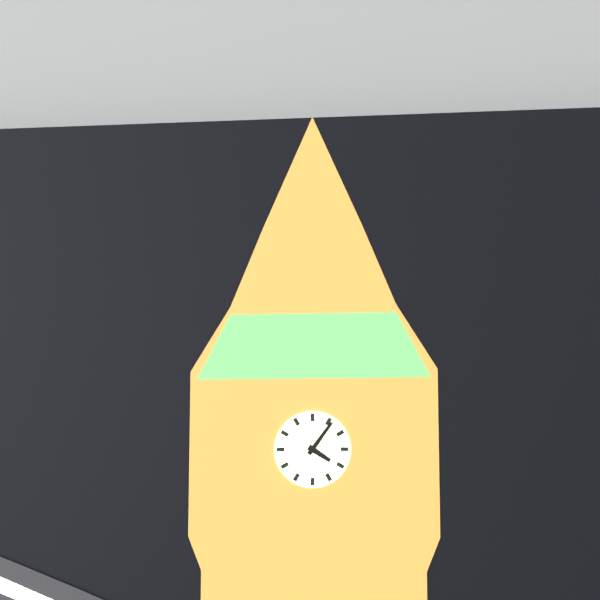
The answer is 4:06
